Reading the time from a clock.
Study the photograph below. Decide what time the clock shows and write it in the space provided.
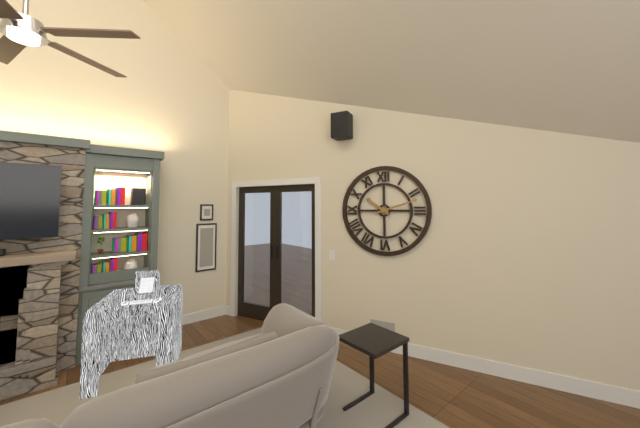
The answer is 10:12
